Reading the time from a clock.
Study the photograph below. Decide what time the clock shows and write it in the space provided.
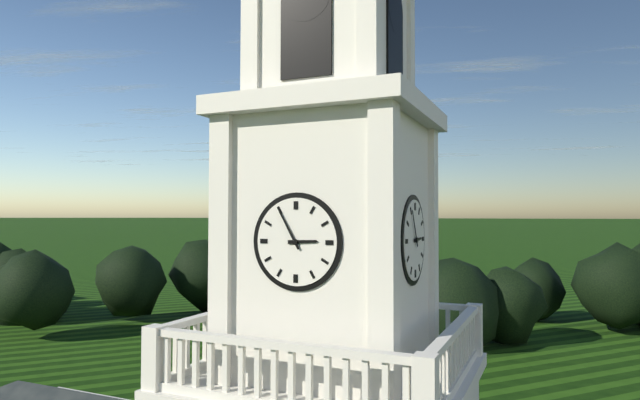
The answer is 2:55
